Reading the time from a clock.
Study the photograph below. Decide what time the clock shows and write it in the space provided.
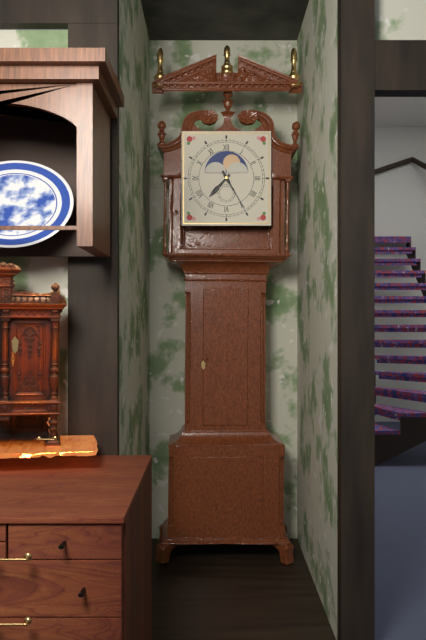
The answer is 7:25
